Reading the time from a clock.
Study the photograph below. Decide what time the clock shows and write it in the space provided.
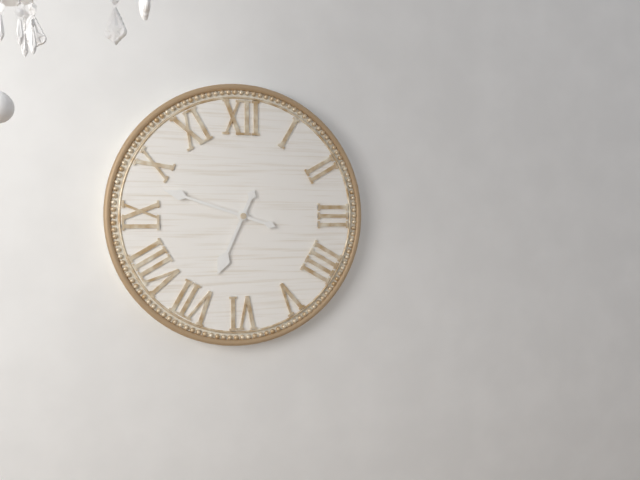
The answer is 6:48
